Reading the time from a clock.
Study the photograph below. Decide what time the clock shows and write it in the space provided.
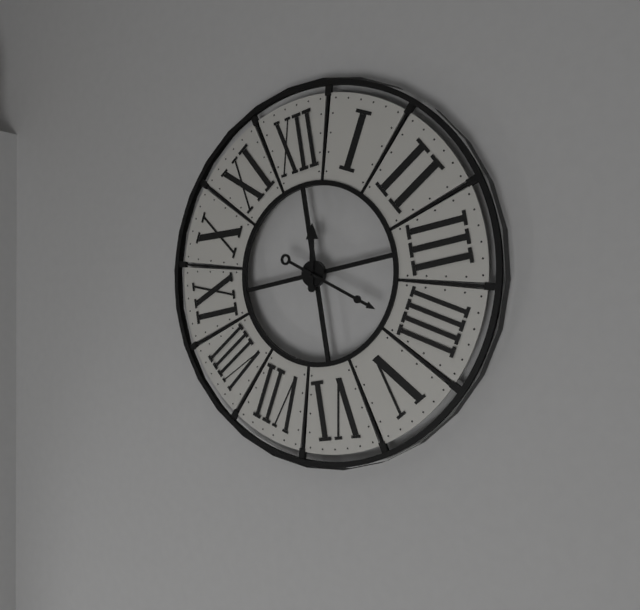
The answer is 12:21
